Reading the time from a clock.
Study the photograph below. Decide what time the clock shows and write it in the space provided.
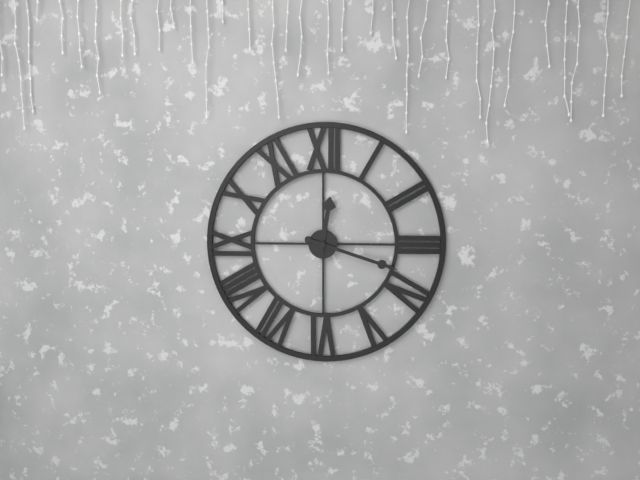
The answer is 12:18
